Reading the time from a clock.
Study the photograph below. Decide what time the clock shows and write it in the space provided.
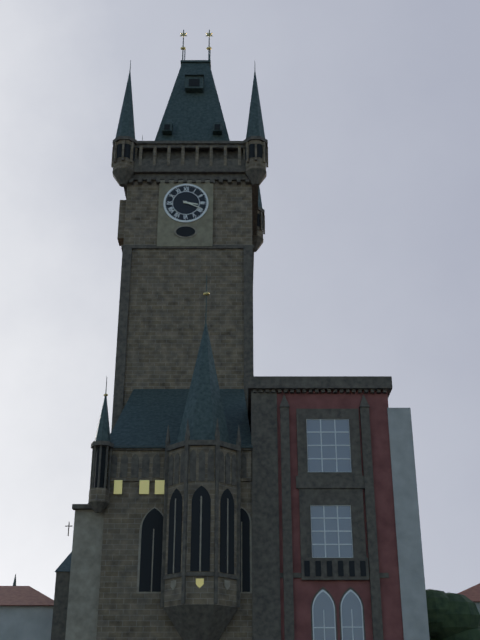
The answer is 3:19
